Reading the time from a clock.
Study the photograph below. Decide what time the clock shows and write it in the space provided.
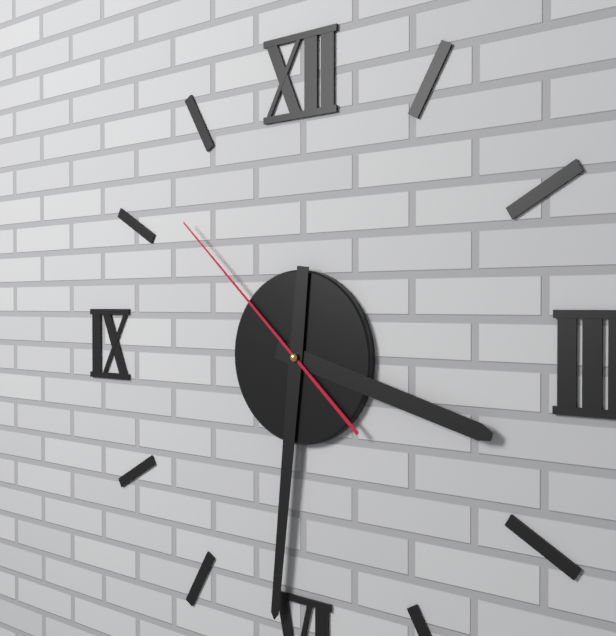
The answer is 3:31:52
